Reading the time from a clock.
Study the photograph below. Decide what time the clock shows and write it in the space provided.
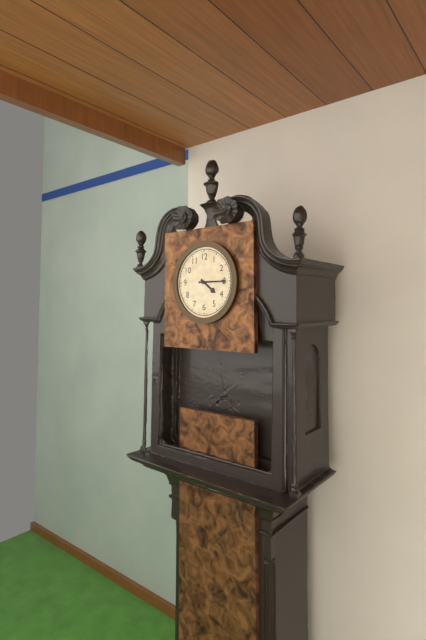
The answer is 4:15
